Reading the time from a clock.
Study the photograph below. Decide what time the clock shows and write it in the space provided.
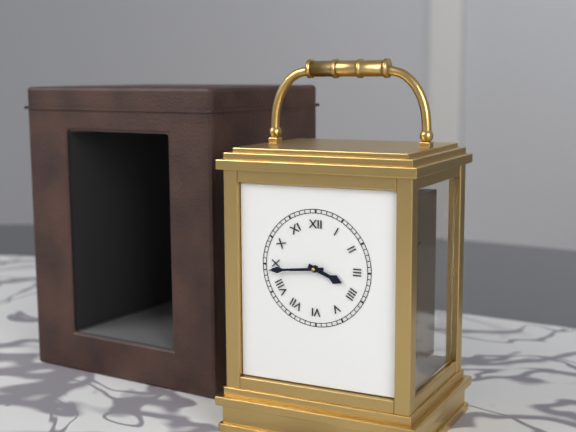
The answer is 3:44
